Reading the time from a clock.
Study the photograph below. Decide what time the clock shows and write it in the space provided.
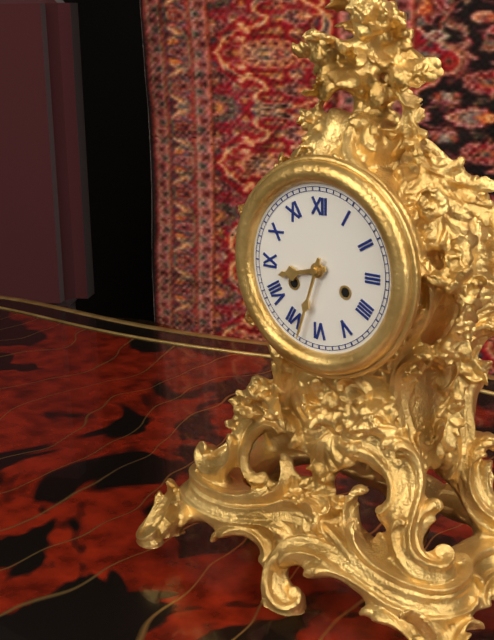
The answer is 8:33
